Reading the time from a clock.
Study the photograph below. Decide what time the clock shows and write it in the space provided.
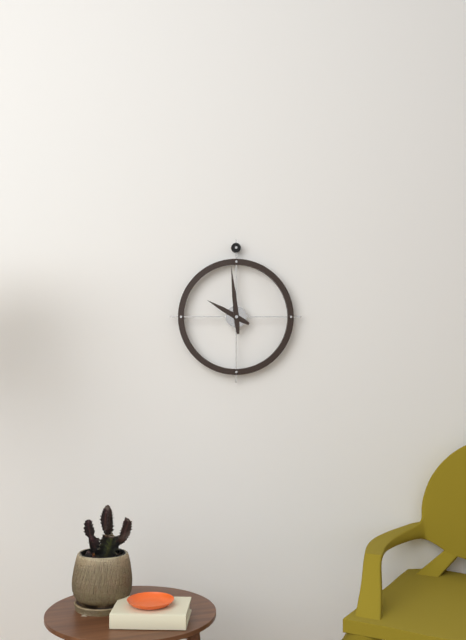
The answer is 9:59
